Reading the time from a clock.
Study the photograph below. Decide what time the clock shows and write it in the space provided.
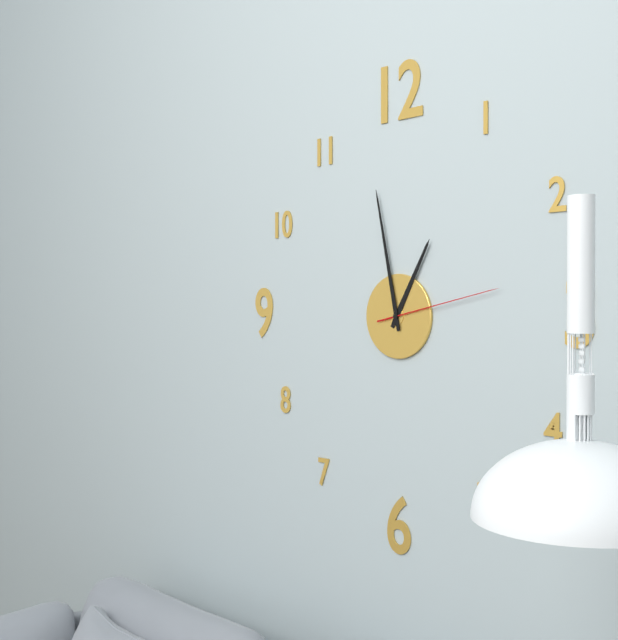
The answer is 12:58:13
